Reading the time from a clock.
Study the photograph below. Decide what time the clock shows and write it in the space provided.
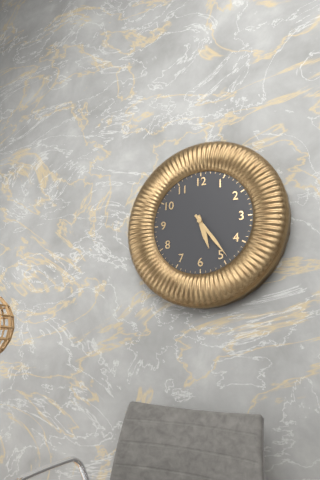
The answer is 5:24
